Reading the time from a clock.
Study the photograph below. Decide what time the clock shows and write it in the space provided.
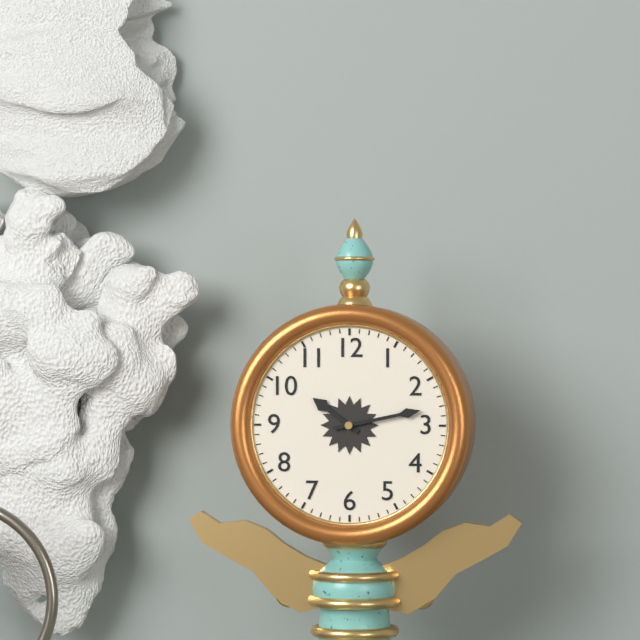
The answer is 10:13
